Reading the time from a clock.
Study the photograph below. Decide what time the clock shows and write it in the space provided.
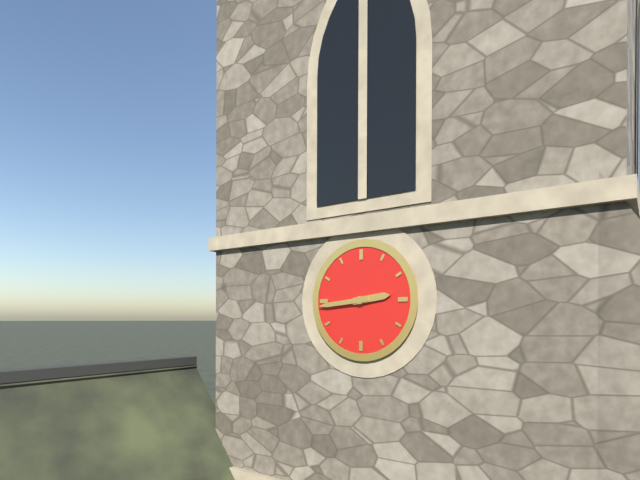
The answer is 2:44
